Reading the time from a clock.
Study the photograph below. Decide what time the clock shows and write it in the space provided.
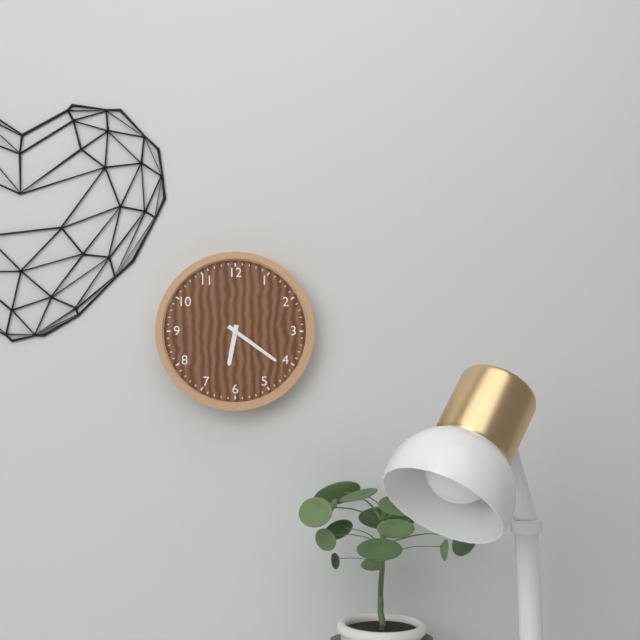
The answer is 6:21
